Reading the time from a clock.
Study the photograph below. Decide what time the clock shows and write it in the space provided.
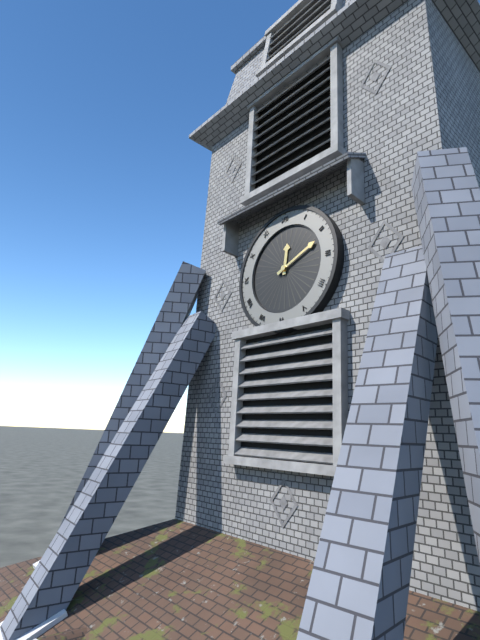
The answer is 12:11
